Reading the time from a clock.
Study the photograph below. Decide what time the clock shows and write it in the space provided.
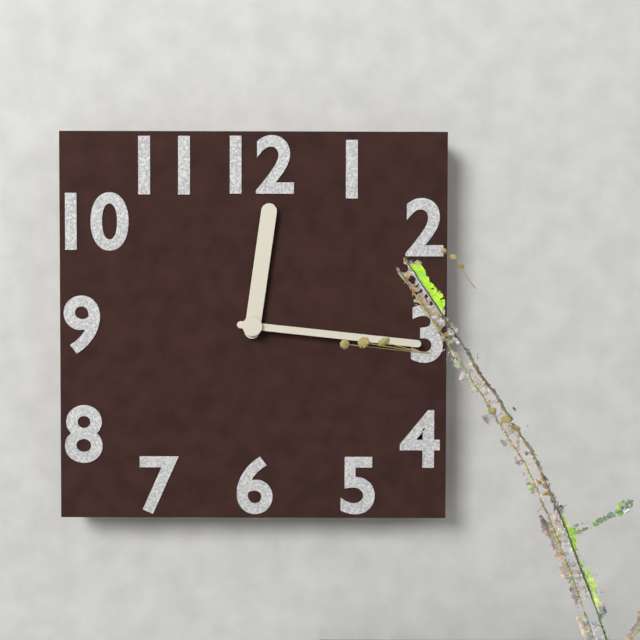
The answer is 12:16
